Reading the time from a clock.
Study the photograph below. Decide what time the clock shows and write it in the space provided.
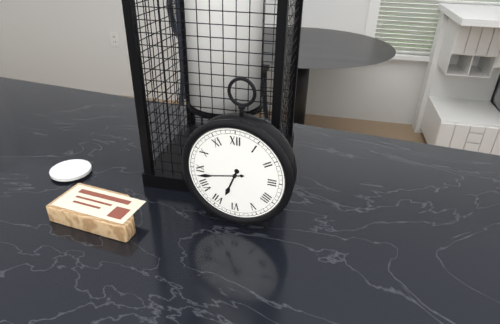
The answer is 6:43
